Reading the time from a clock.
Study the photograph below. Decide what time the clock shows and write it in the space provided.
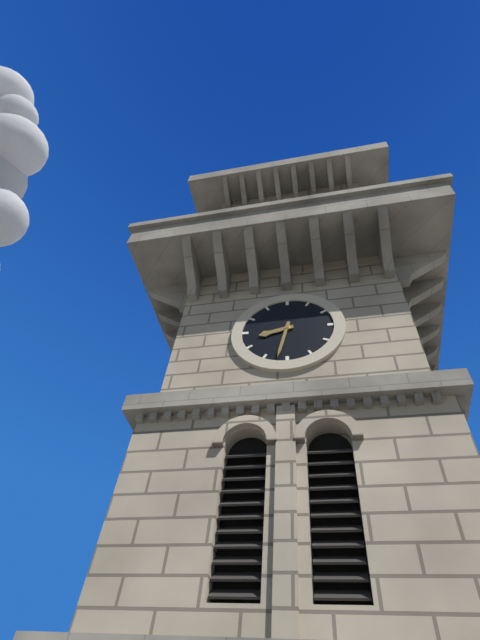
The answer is 8:32
